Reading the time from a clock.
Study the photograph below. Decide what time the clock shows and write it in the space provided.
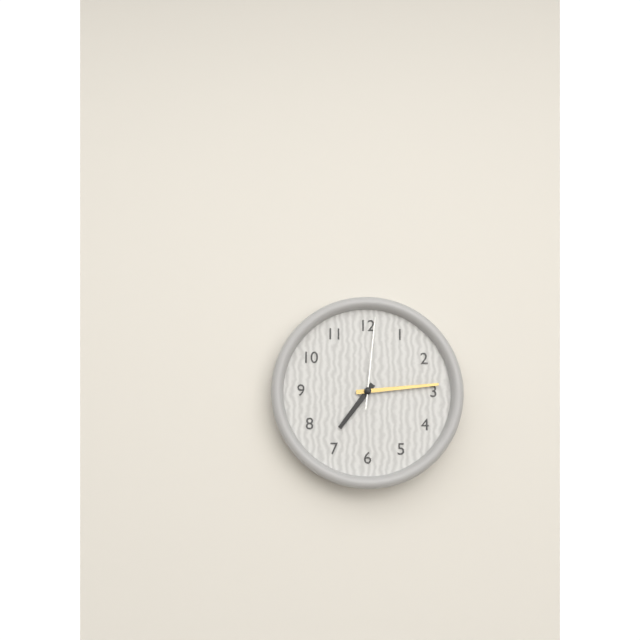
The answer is 7:14:01
